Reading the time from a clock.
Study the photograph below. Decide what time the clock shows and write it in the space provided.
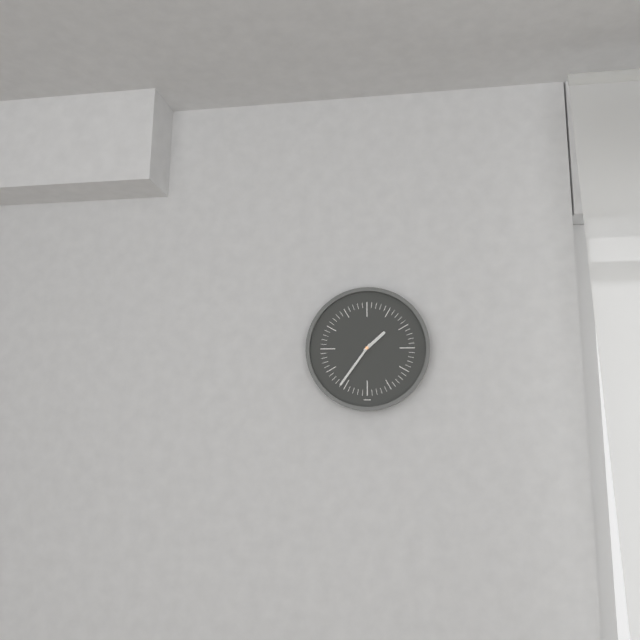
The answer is 1:36
